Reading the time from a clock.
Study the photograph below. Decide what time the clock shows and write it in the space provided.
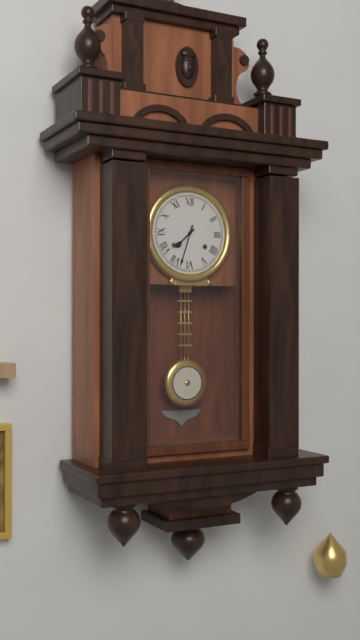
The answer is 7:33
